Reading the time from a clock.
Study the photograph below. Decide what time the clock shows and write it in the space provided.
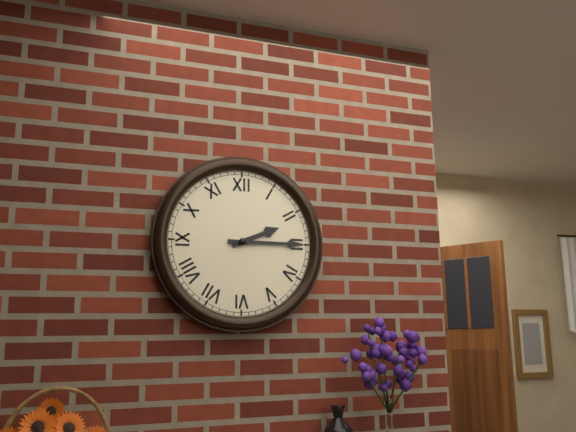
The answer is 2:15
